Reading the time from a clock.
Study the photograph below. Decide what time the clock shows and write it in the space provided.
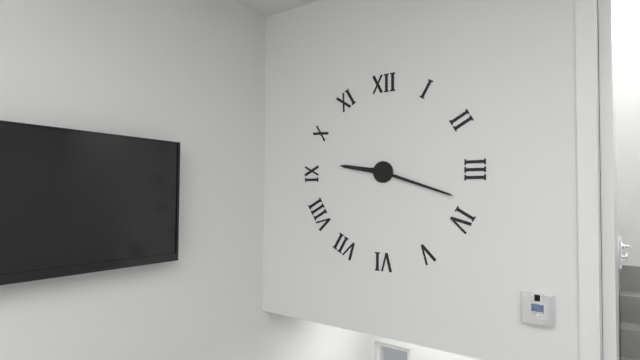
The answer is 9:18
